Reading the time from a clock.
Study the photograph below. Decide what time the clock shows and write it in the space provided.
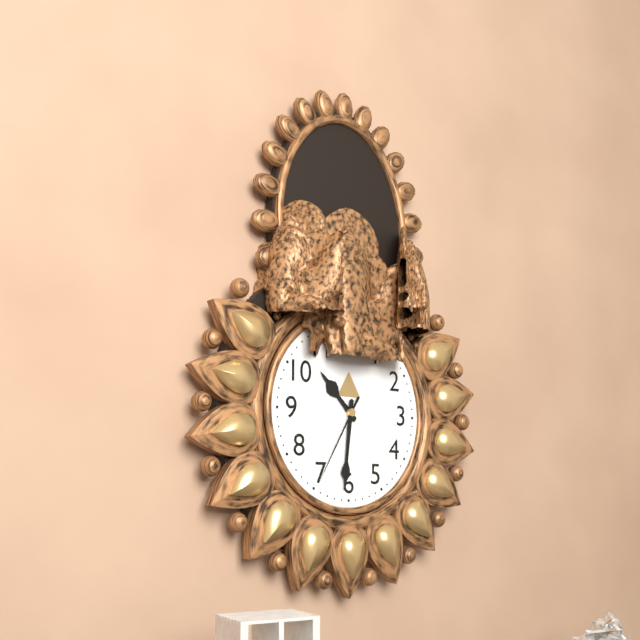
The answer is 10:31:35
